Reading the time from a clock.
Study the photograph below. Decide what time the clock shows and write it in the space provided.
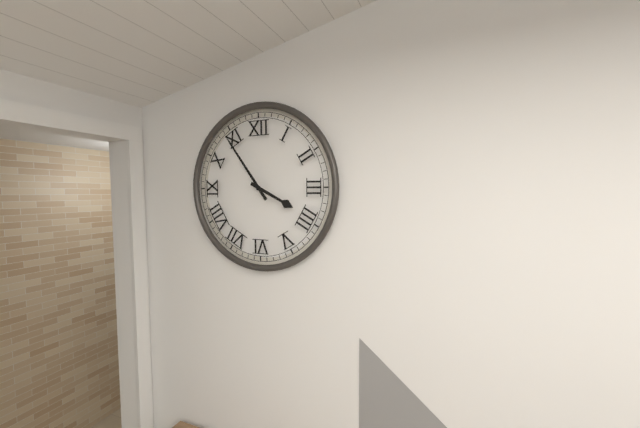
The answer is 3:54
